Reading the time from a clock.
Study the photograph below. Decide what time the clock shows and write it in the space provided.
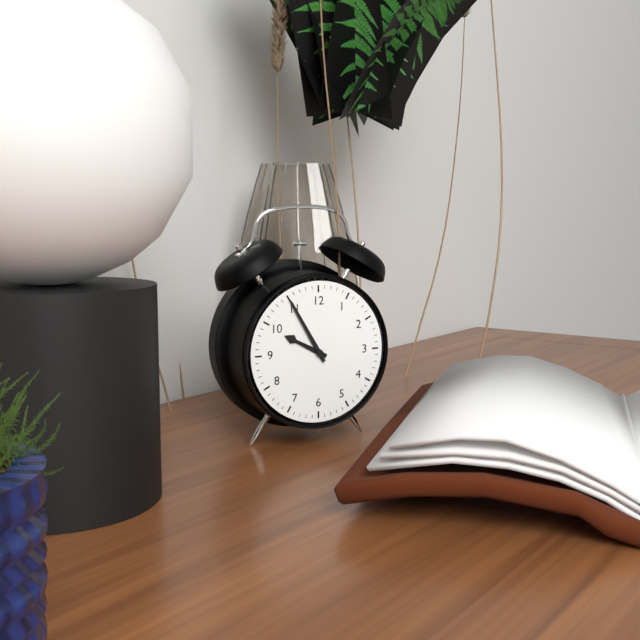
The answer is 9:55
